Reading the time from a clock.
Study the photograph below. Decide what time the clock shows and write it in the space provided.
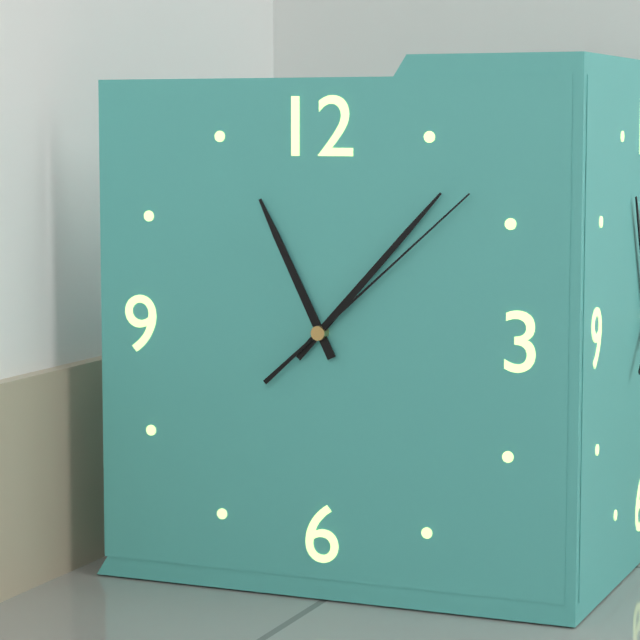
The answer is 11:07:08
